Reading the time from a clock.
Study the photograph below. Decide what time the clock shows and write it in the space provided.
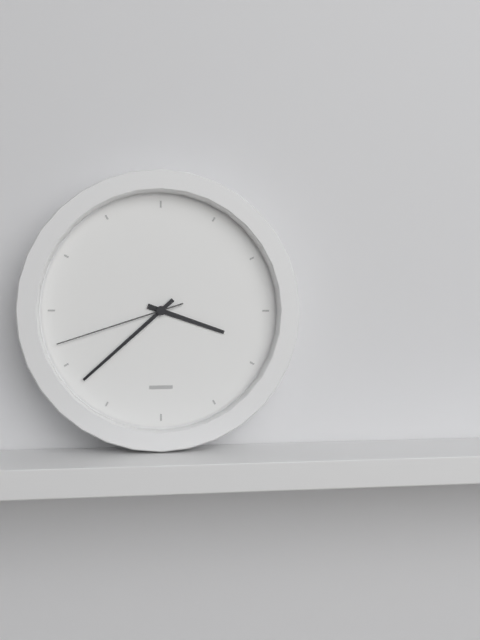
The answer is 3:38:42
